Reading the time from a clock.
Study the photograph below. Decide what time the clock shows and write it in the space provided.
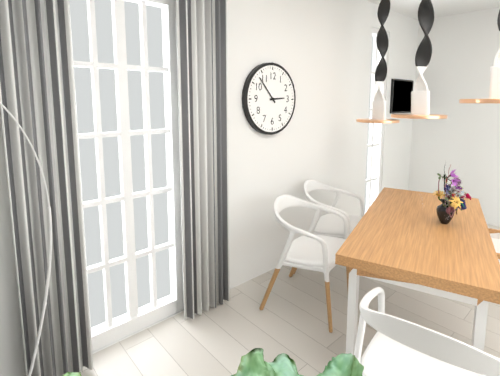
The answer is 2:53
